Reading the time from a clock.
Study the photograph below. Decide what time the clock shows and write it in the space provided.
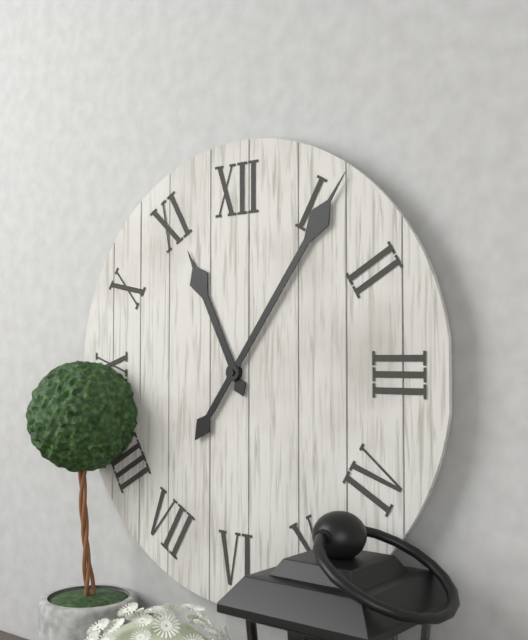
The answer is 11:06
